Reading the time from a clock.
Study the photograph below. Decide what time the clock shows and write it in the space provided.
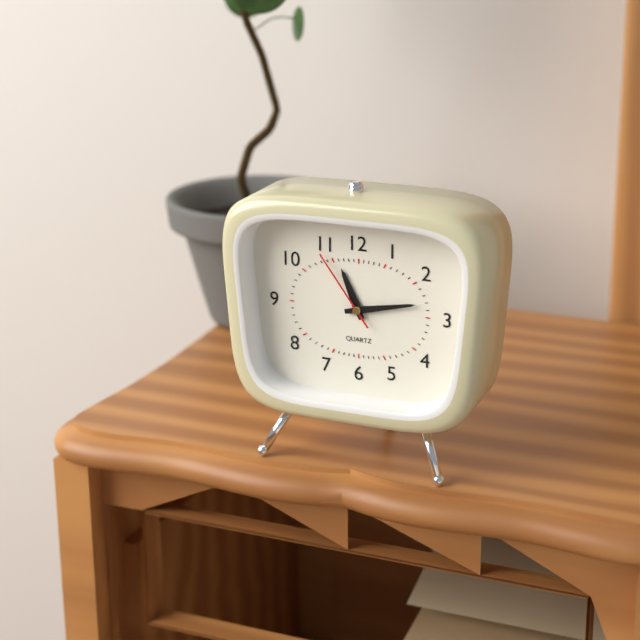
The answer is 11:13:54
